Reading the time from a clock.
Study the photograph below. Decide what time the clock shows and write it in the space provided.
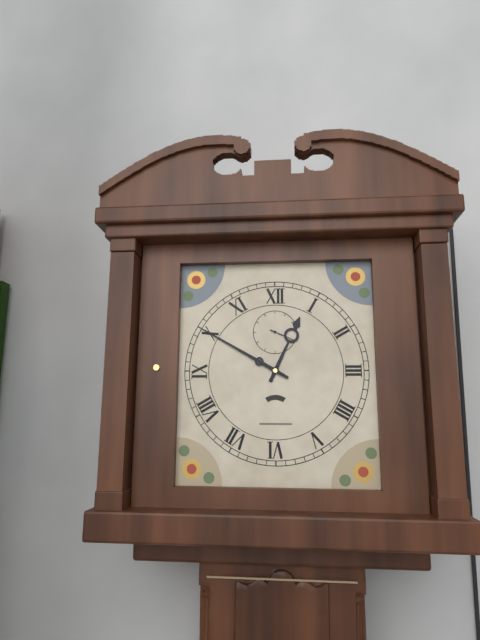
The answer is 12:50
